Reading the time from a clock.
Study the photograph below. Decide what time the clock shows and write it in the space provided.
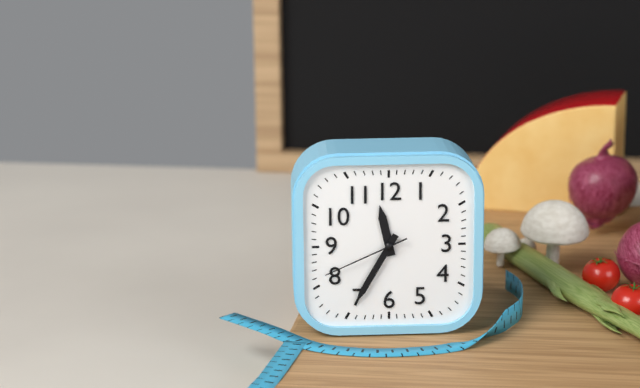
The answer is 11:35:41
